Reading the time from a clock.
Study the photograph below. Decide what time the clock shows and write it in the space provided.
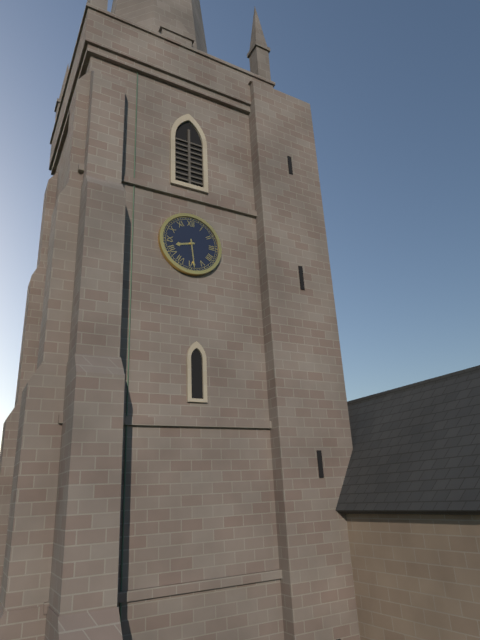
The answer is 8:29
